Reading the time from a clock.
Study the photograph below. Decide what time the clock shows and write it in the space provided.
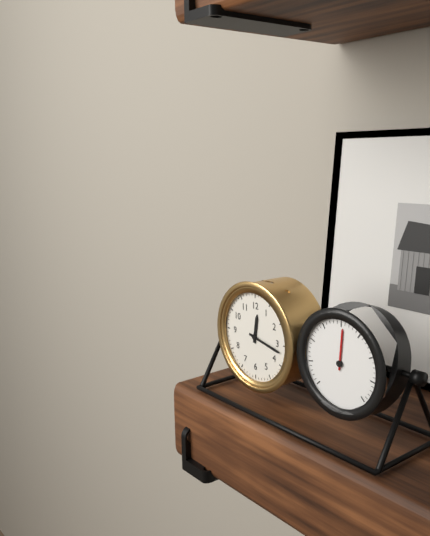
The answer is 12:17
